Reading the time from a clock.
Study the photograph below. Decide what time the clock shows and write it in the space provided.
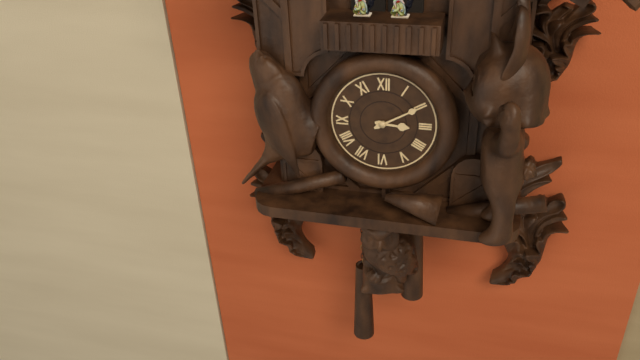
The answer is 3:10
